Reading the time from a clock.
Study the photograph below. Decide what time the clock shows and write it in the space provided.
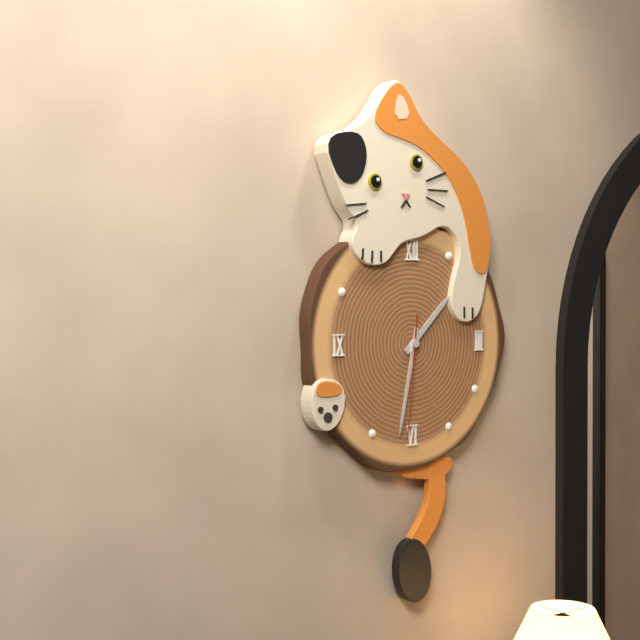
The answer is 1:32:31
